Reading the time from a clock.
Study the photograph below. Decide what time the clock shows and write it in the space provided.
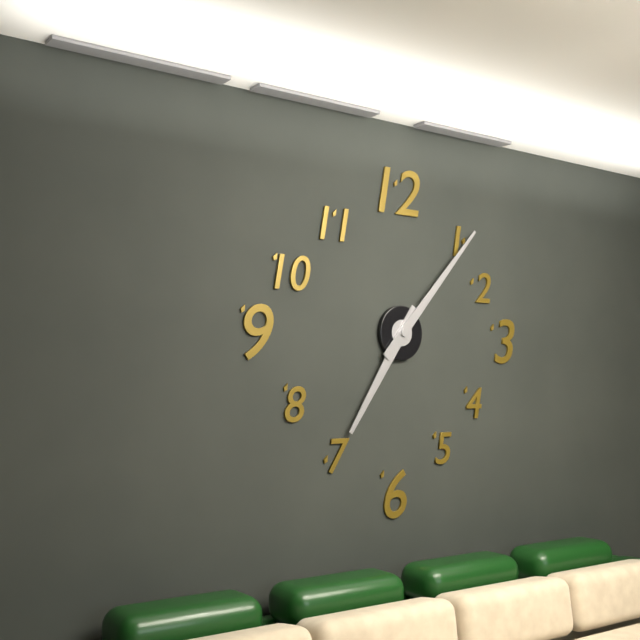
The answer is 7:07
